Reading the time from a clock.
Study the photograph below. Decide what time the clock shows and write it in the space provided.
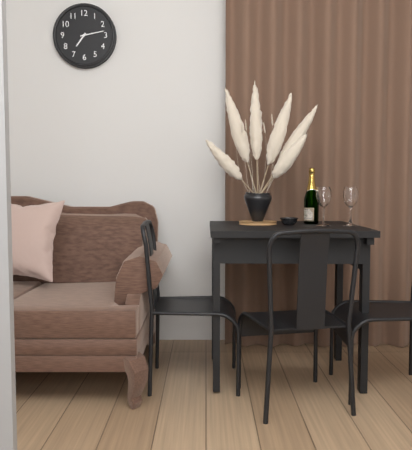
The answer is 7:13
